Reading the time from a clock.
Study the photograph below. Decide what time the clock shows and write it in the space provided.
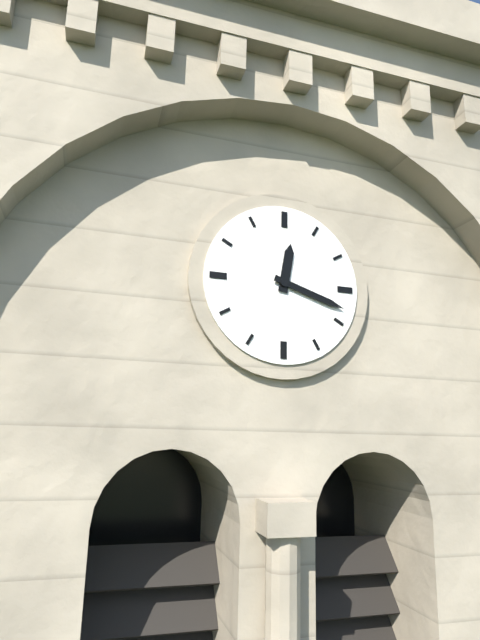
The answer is 12:18
